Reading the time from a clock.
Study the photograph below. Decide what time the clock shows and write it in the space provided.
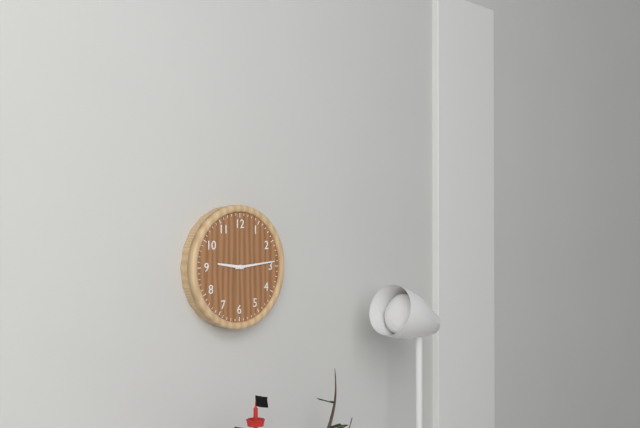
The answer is 9:14
